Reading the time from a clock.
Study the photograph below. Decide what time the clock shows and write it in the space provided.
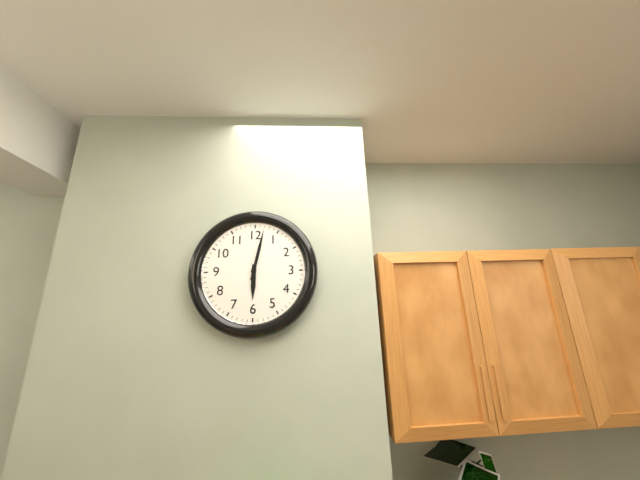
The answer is 6:02
